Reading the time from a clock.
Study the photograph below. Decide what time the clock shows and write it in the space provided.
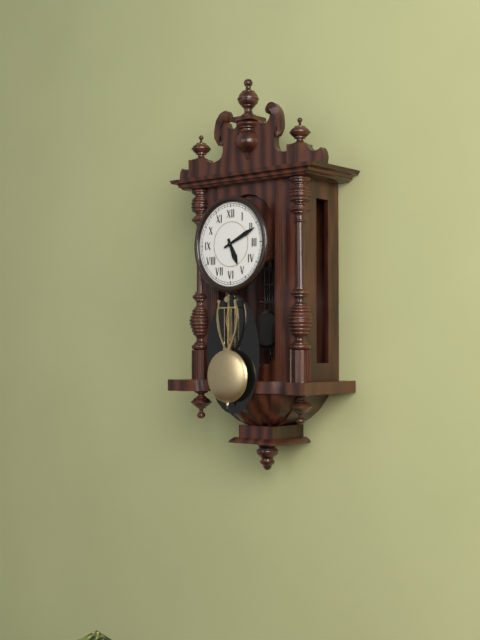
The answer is 5:11
